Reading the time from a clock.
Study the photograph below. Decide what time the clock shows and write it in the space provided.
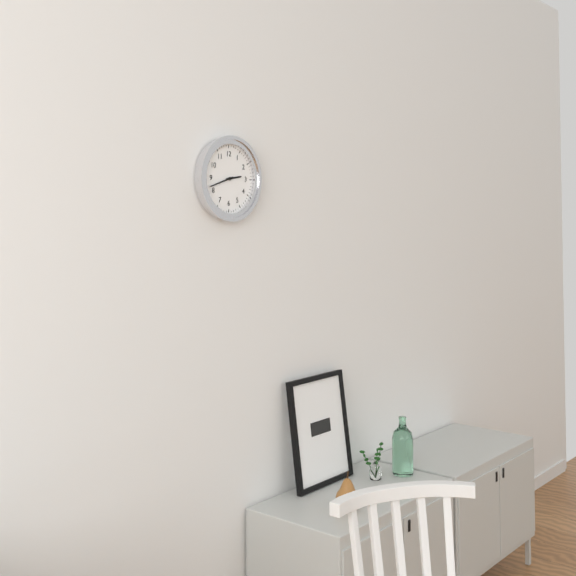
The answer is 2:42
